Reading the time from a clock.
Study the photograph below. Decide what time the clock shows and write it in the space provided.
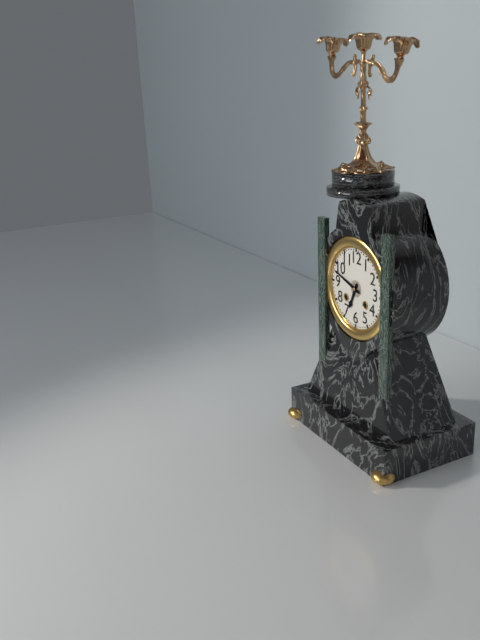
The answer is 6:48
